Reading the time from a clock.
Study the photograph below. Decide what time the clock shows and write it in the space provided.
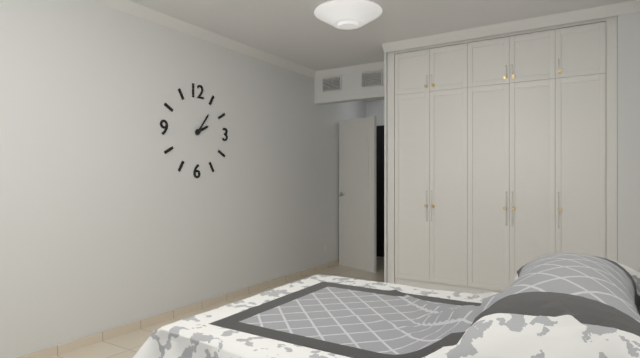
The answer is 2:06
